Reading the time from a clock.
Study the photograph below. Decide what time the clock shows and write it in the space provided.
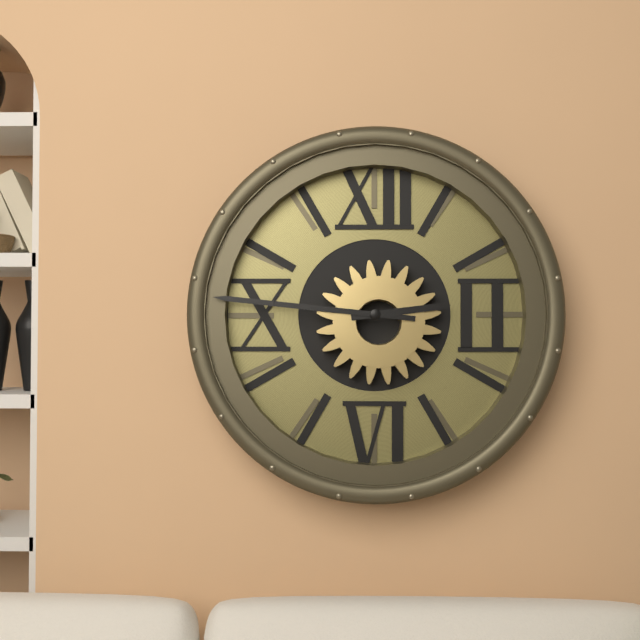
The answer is 2:46
